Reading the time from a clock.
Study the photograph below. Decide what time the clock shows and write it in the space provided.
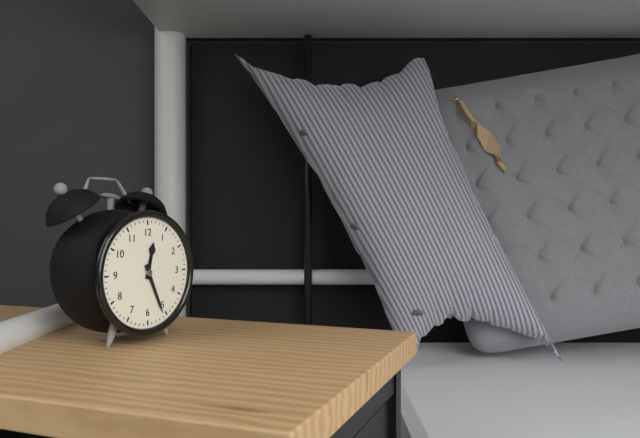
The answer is 12:26
